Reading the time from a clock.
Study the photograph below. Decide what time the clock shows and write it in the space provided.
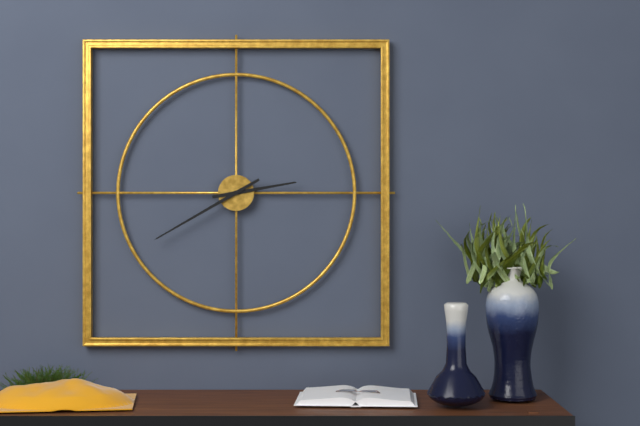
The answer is 2:40
